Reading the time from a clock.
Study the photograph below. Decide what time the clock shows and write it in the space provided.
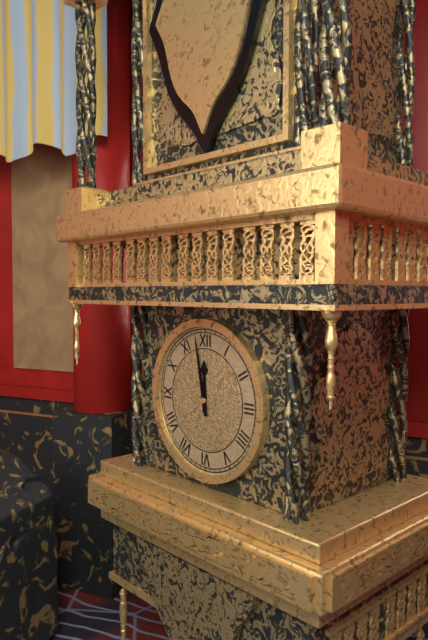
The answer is 11:58
